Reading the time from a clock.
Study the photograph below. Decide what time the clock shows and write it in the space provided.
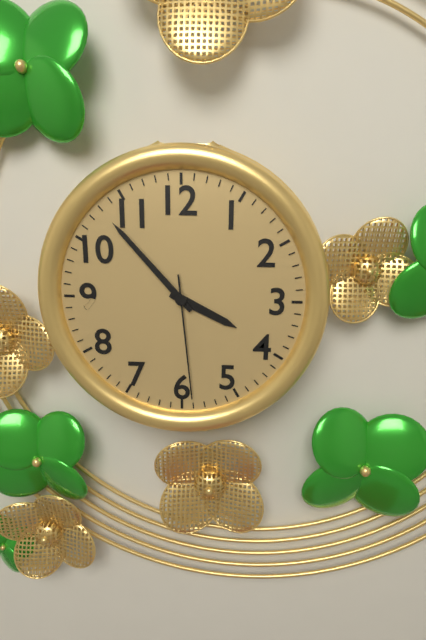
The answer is 3:53:29
